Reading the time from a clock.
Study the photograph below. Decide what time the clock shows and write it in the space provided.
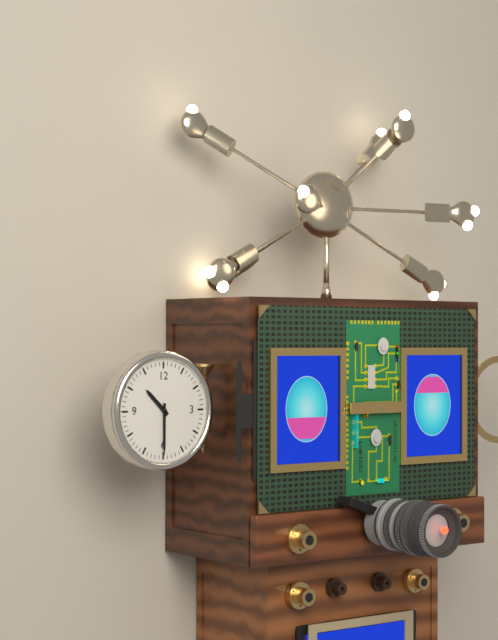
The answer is 10:30
